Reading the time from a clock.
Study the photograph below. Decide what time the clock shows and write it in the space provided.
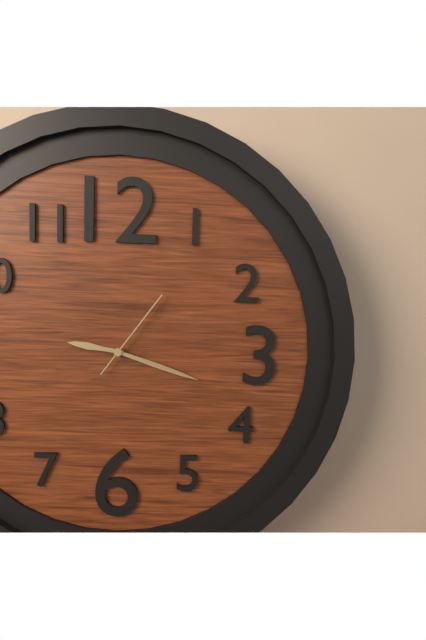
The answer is 9:18:06
